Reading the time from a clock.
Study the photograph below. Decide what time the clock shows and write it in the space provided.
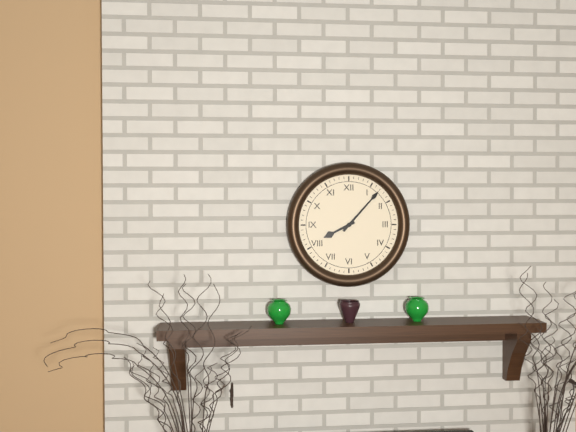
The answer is 8:07
